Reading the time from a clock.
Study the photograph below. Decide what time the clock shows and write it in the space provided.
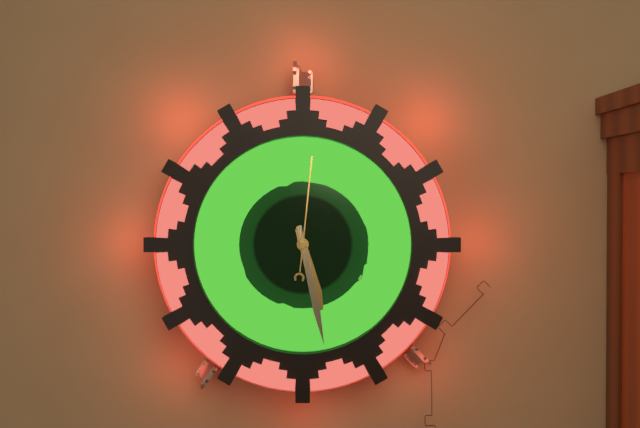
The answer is 5:28:01
